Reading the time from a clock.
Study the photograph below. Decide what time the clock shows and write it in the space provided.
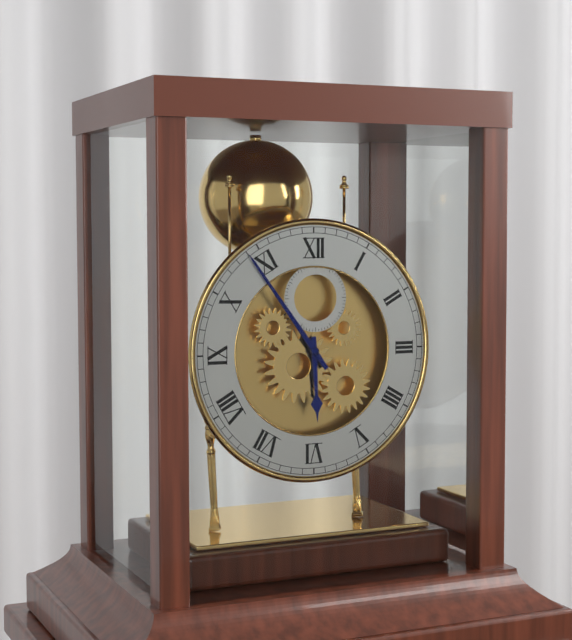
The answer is 5:54
